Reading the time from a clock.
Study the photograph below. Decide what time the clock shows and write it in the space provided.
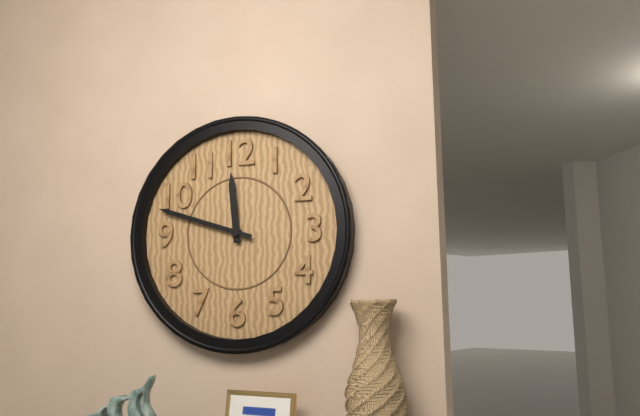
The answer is 11:48
